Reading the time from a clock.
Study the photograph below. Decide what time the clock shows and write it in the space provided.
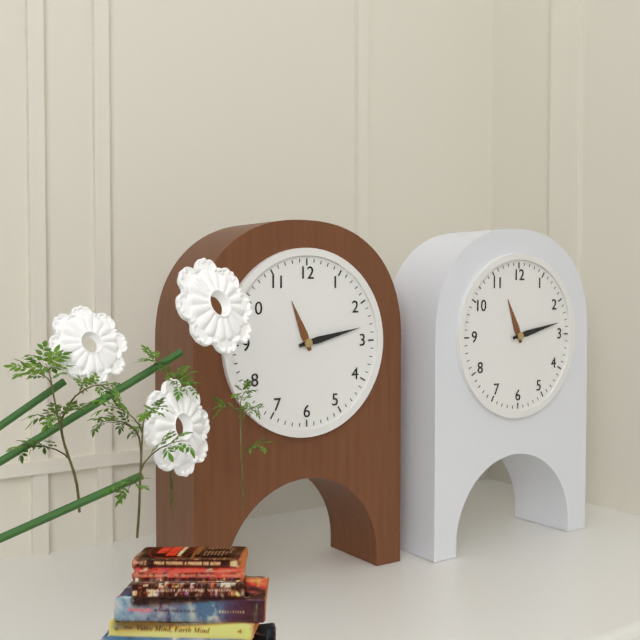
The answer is 11:13
